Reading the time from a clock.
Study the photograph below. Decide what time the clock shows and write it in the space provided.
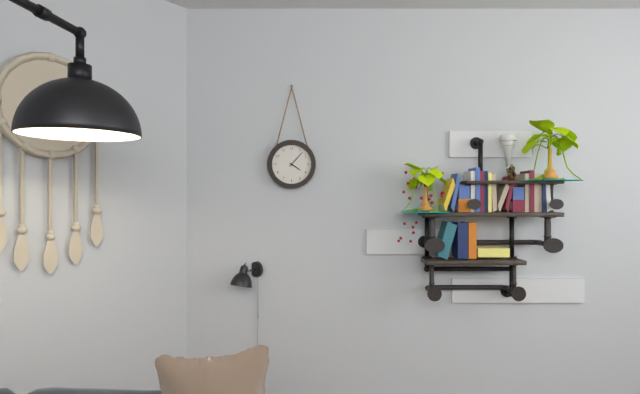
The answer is 4:07
